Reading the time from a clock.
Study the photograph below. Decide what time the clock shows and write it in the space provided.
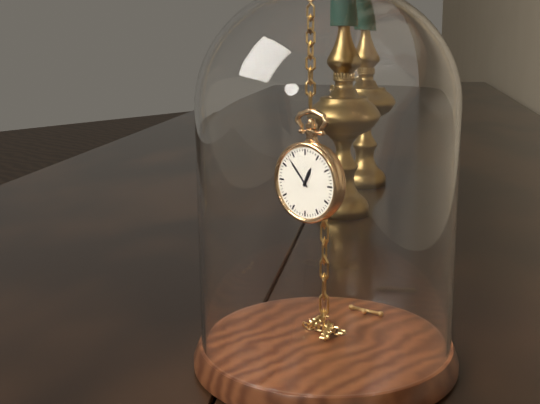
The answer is 12:53
